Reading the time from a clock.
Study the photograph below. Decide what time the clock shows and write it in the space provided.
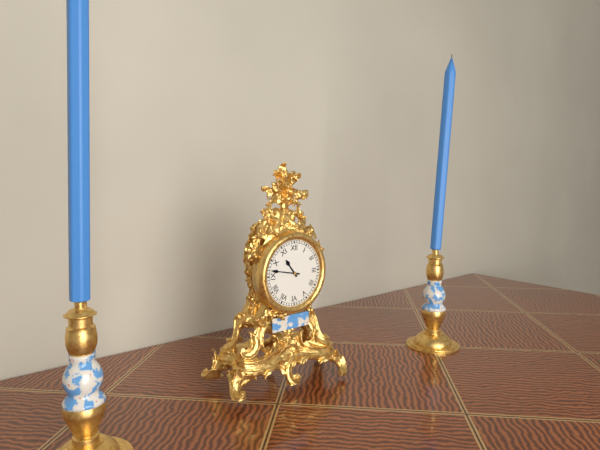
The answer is 10:47
